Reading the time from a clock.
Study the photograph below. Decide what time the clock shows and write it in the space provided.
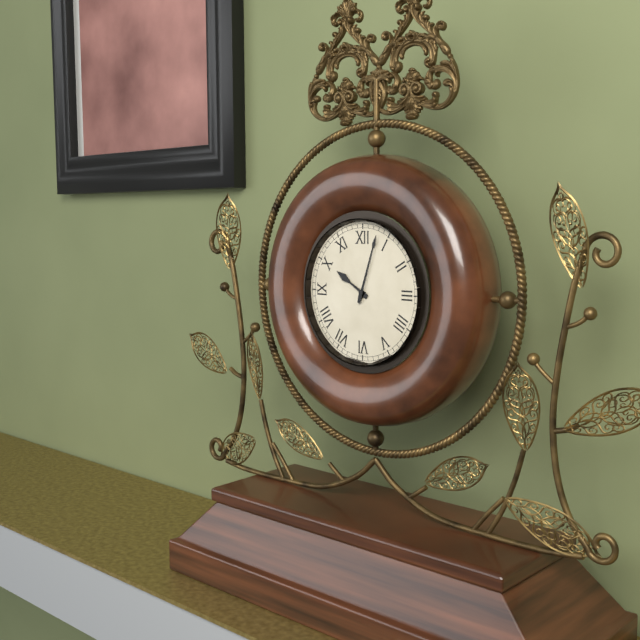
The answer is 10:03
